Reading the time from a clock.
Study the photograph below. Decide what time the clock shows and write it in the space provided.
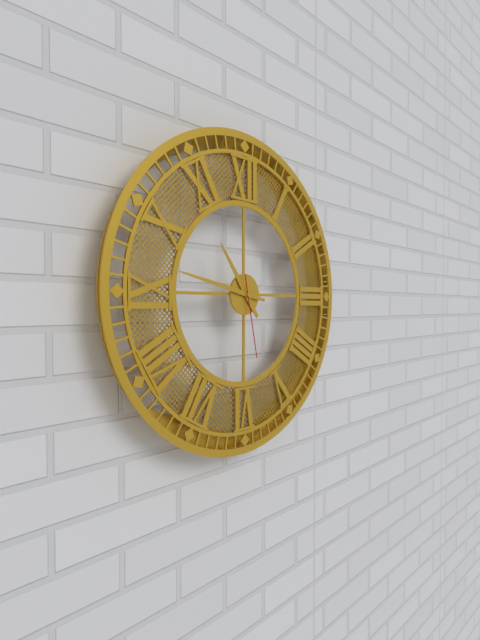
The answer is 10:47:28
